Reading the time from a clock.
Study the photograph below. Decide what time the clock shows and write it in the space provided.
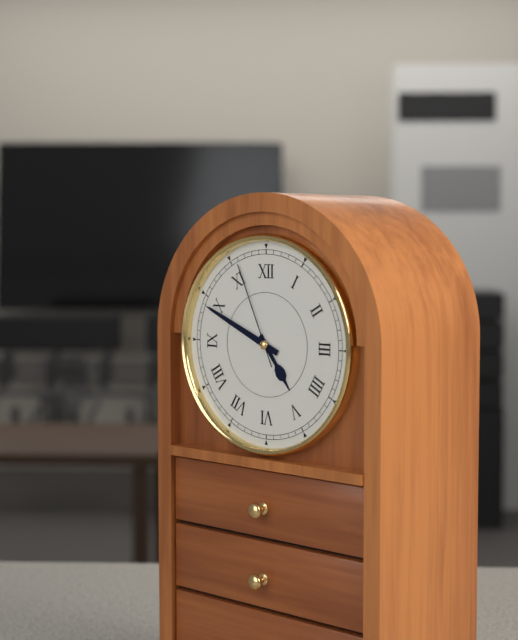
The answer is 4:49:56
